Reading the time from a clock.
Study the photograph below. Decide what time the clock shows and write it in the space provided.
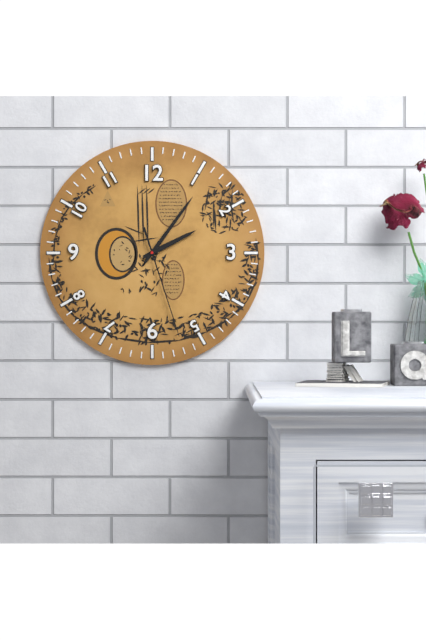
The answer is 2:06:27
